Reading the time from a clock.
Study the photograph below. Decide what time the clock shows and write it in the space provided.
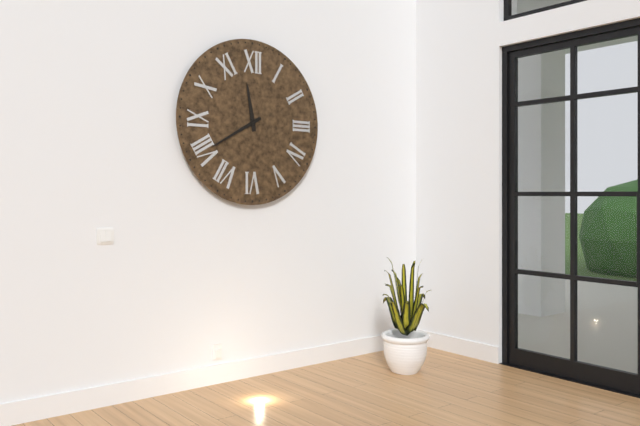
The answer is 11:40
